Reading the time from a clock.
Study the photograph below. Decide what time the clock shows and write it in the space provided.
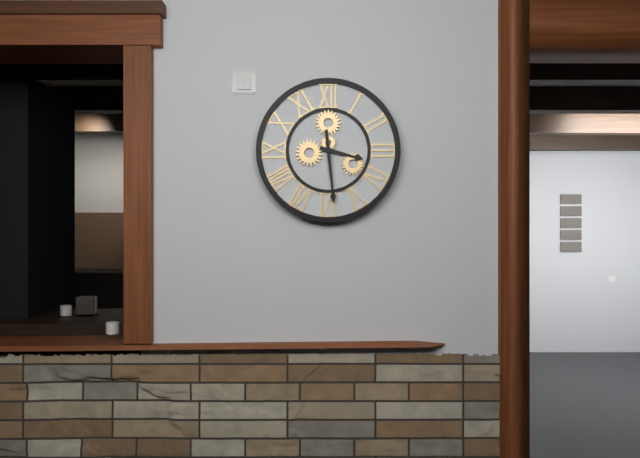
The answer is 3:29
